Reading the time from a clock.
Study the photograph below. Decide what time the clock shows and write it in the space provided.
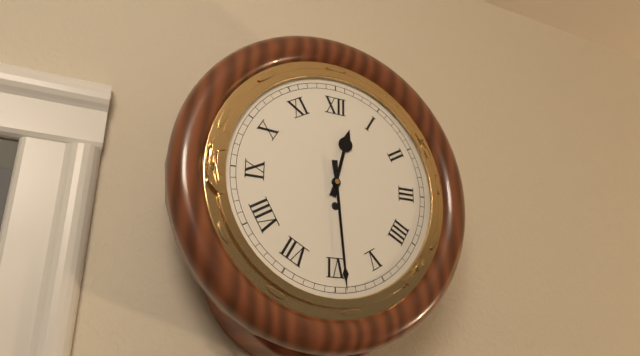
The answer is 12:29
